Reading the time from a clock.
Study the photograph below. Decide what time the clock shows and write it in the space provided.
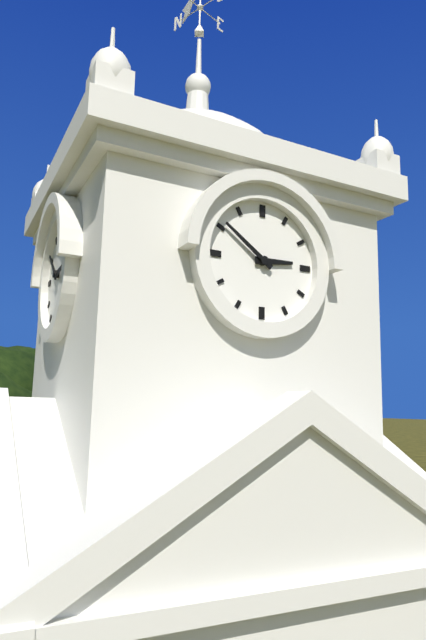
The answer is 2:51
